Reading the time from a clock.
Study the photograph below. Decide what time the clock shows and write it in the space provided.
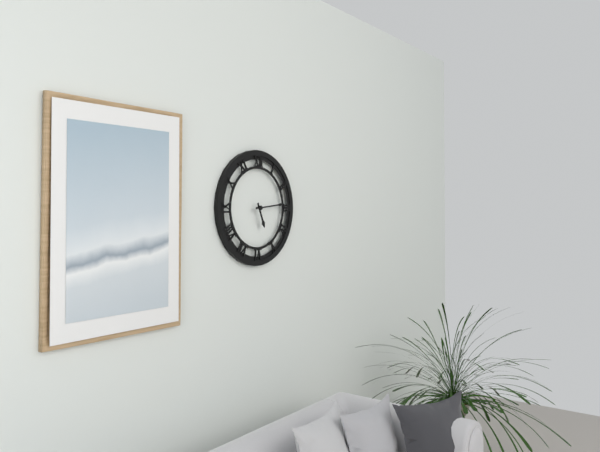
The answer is 5:14
